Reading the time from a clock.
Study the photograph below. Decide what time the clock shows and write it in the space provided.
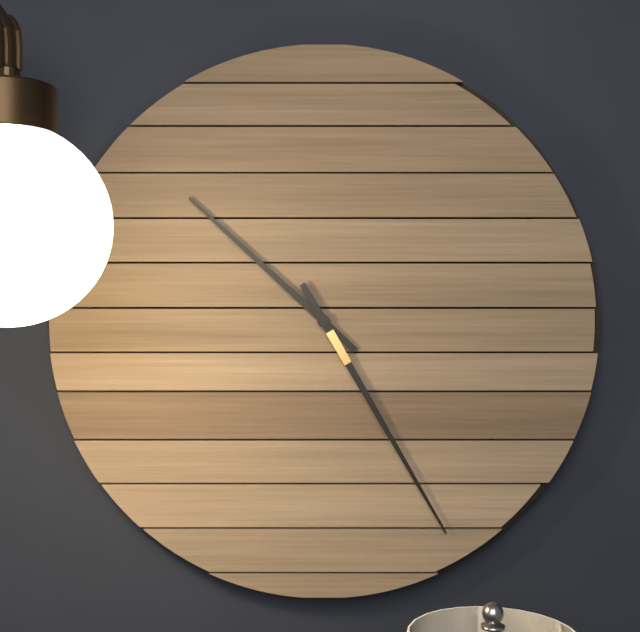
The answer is 10:25
